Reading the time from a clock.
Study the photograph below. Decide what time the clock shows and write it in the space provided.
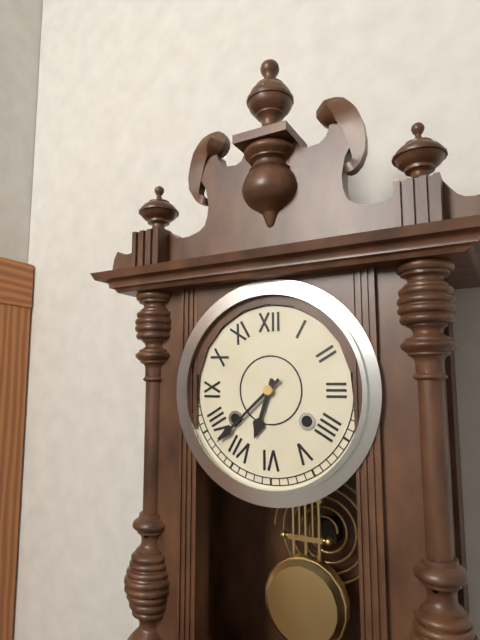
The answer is 6:38
